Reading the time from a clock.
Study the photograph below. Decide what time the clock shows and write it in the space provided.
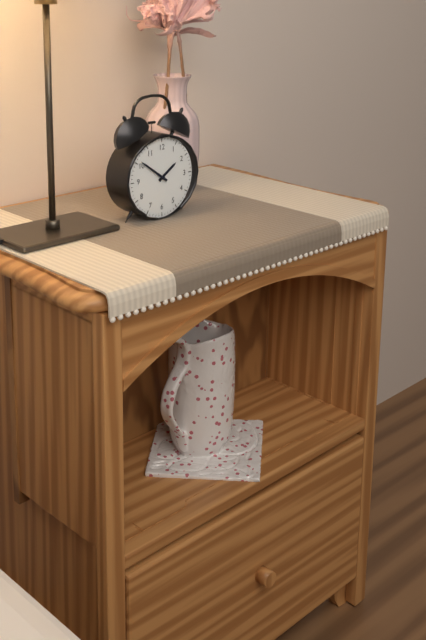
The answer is 1:51
